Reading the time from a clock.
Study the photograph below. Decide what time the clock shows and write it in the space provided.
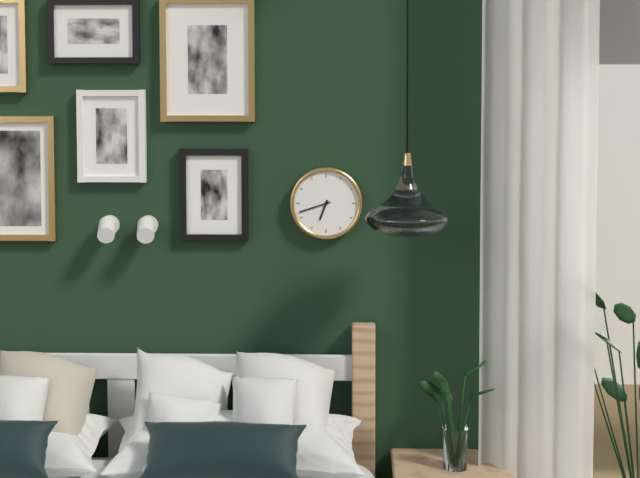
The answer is 6:42
